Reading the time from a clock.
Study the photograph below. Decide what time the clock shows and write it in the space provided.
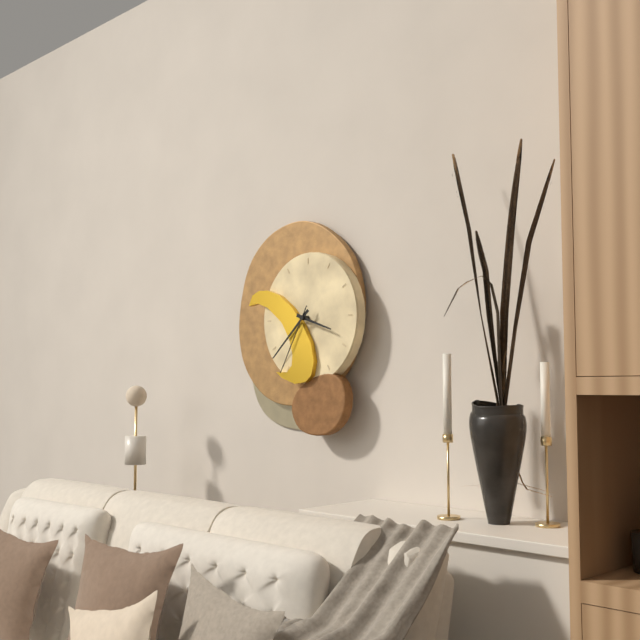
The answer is 3:38:35
